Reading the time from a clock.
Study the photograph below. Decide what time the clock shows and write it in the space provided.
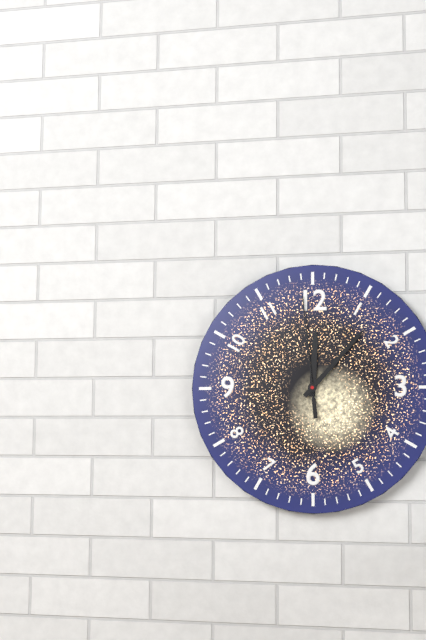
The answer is 12:07:59
